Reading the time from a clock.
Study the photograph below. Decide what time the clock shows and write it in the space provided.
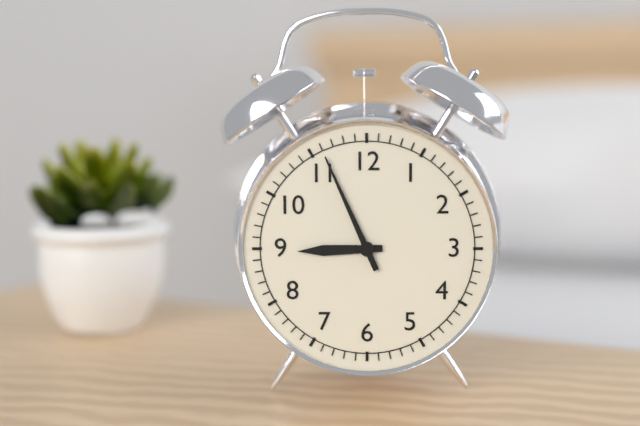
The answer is 8:56
